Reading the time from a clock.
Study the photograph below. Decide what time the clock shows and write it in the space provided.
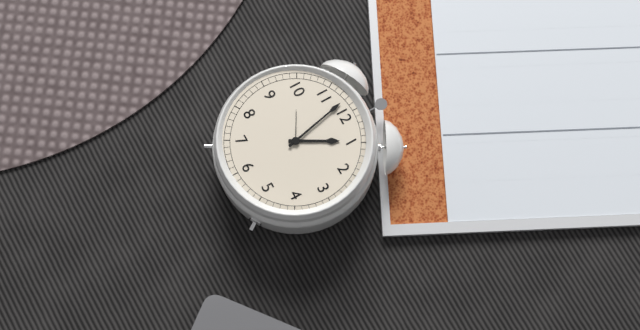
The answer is 12:58
